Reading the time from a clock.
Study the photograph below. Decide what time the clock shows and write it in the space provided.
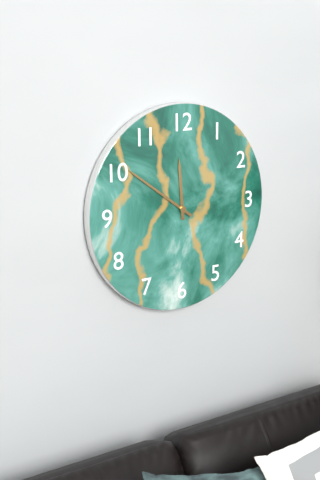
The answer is 11:51
